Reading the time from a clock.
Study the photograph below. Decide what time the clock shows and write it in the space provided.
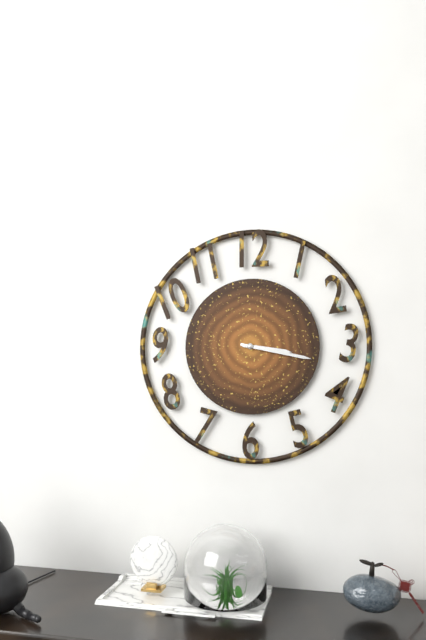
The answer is 3:17
